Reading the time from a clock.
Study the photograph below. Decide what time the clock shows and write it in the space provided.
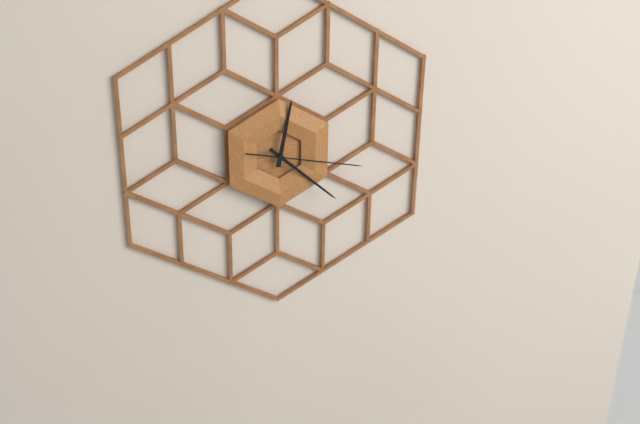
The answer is 12:22:17
